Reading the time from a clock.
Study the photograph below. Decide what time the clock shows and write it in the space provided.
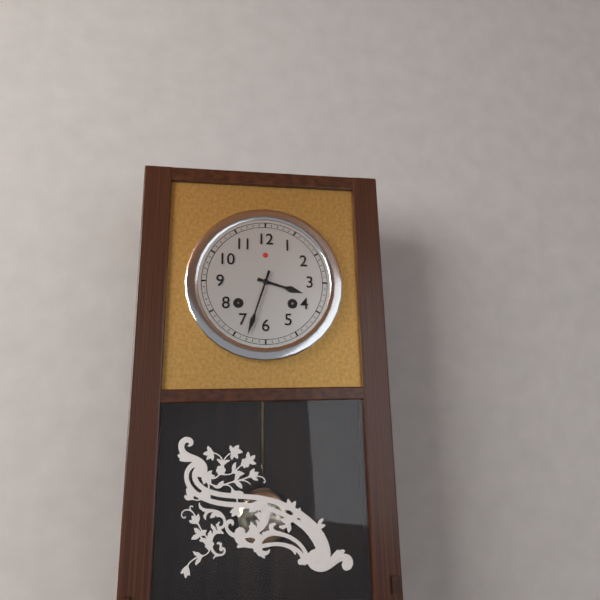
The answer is 3:33
